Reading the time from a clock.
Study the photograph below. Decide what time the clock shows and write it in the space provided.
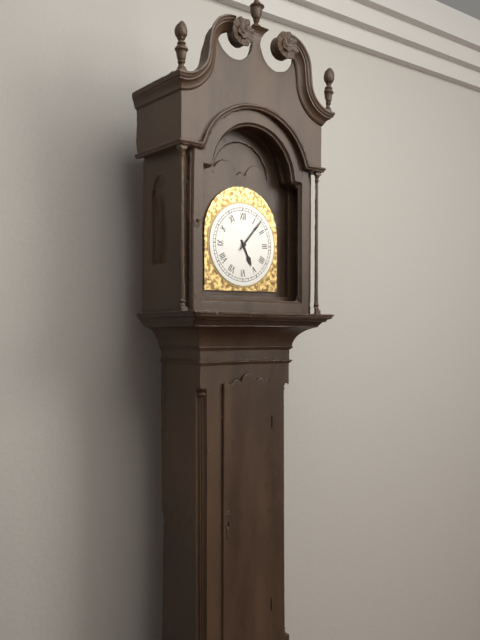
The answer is 5:07
